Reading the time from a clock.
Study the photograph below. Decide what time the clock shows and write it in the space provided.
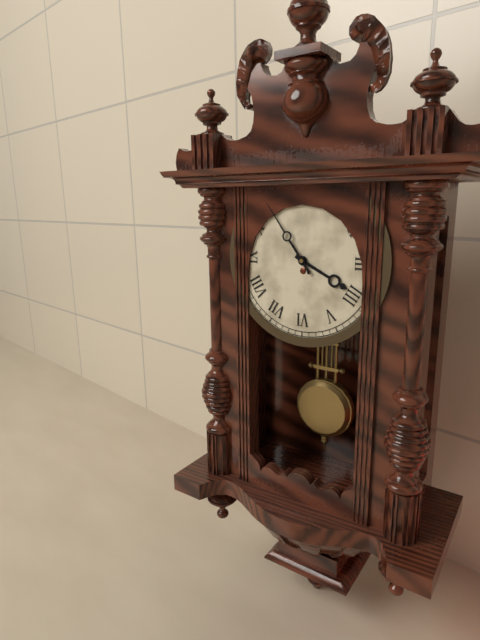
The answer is 3:54
